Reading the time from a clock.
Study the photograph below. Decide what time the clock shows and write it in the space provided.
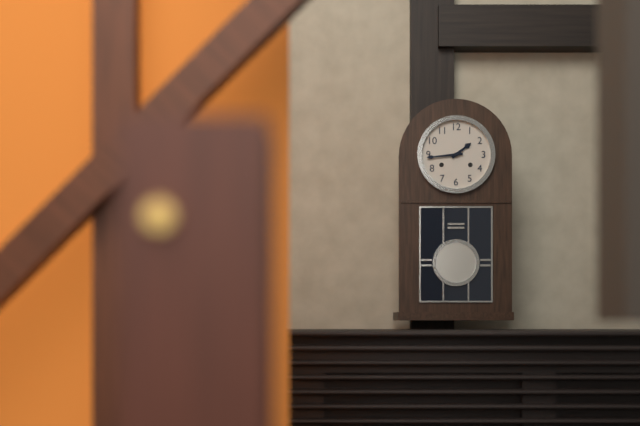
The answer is 1:44
